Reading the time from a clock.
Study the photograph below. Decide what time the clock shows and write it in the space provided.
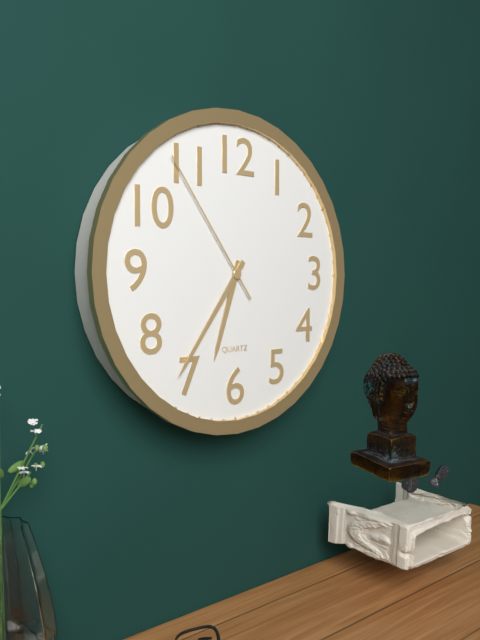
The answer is 6:36:54
